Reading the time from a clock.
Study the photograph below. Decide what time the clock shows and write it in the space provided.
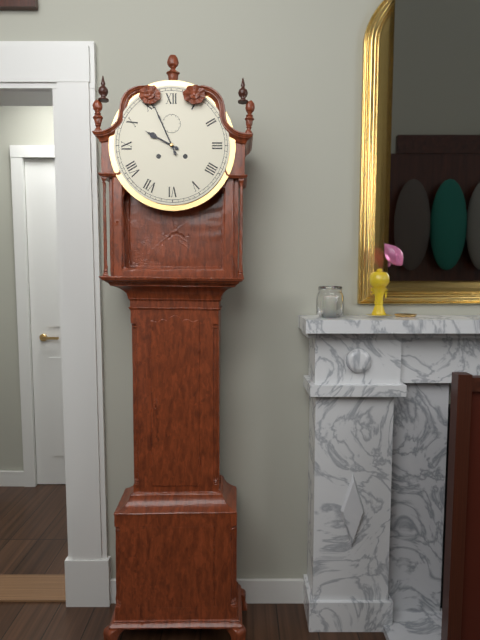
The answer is 9:56
